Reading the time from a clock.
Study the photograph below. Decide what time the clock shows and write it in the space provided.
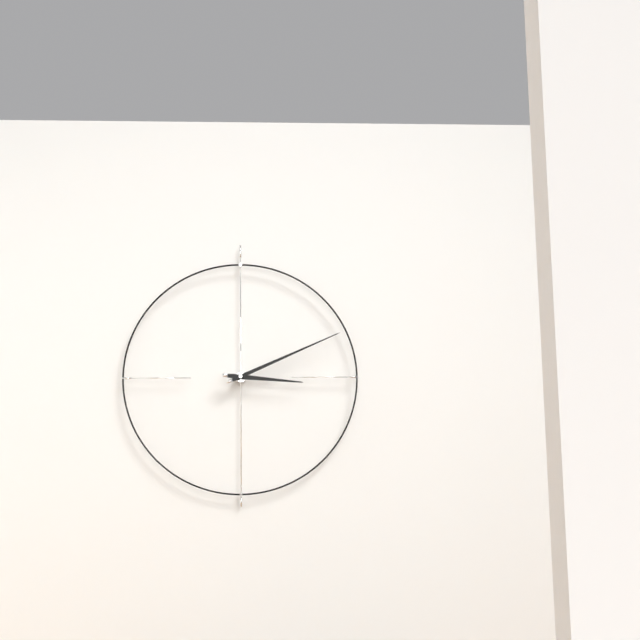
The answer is 3:11
